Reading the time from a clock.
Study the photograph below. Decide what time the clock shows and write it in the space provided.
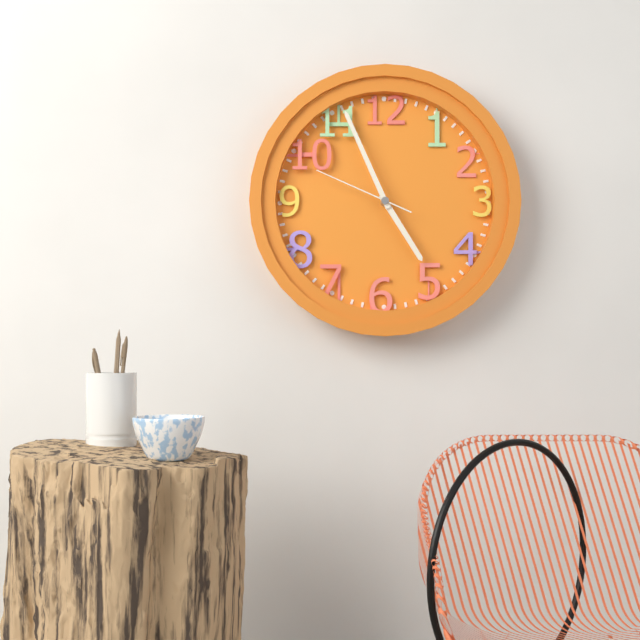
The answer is 4:56:49
